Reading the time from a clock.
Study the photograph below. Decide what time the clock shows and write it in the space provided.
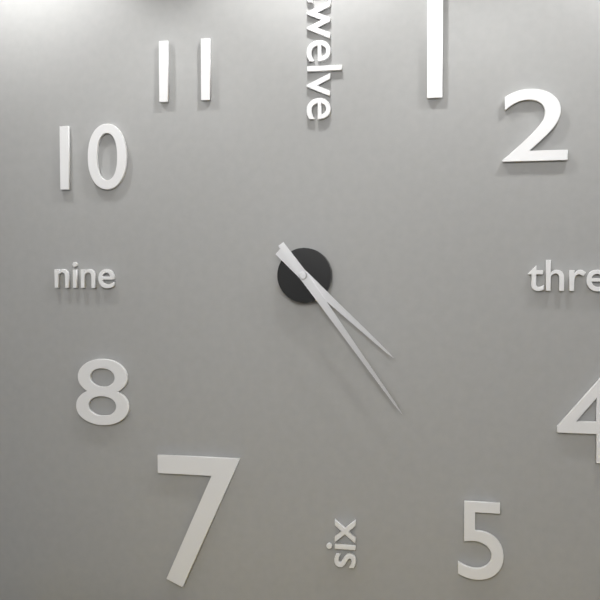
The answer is 4:24
